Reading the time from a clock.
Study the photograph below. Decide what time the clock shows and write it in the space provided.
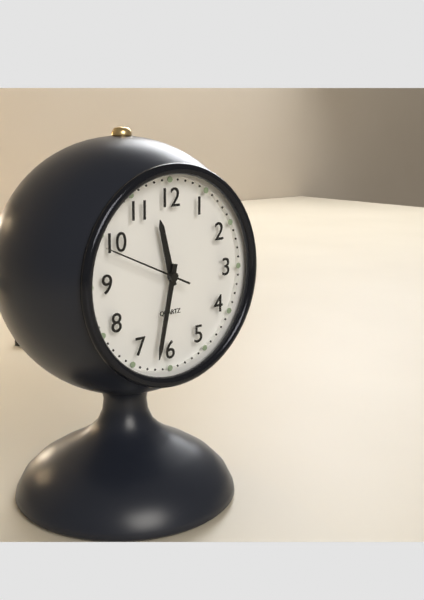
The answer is 11:32:49
